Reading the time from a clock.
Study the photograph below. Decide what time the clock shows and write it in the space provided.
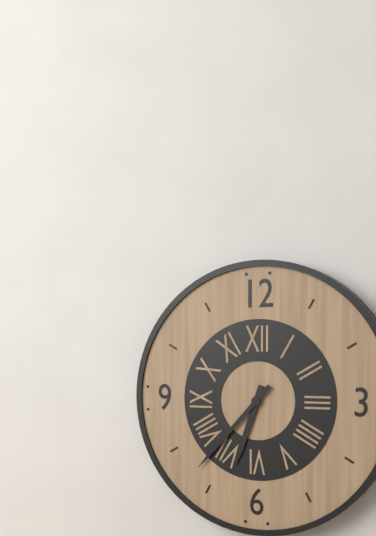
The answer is 6:37
